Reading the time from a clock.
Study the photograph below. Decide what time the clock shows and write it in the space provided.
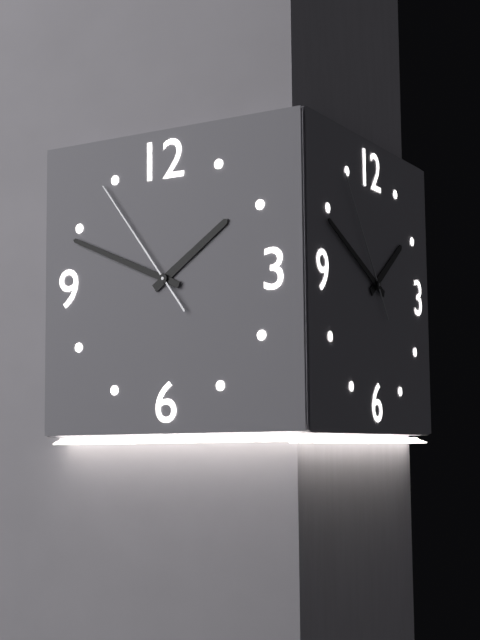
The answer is 1:49:54
